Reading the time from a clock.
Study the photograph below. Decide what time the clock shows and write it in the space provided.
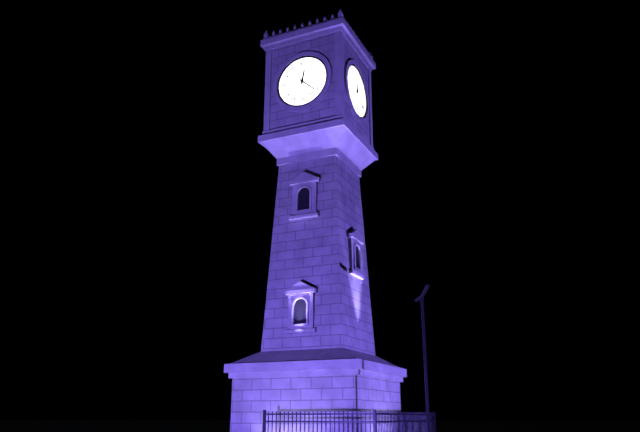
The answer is 12:22
